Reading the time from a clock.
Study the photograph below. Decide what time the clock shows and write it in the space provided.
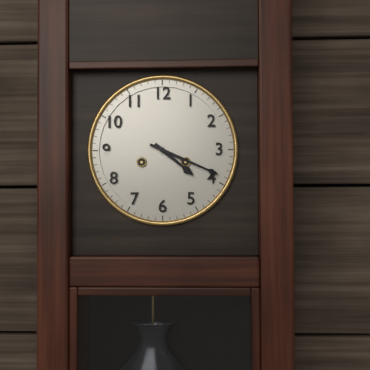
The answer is 4:19
